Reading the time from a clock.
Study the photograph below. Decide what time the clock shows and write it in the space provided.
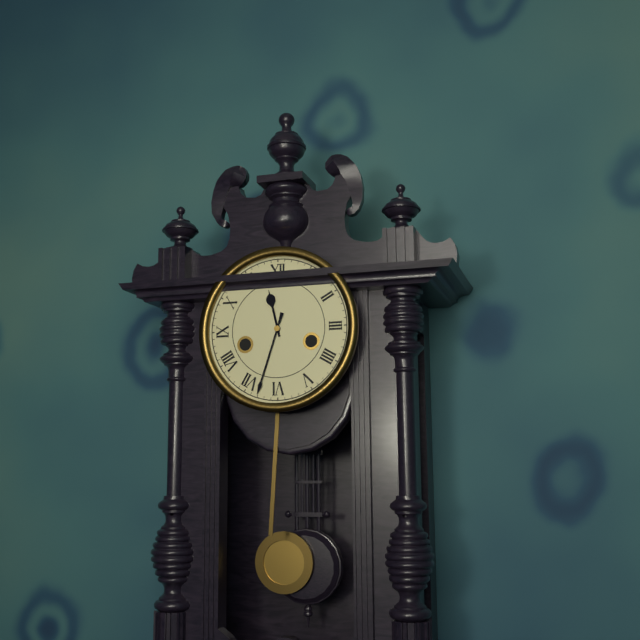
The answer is 11:33
